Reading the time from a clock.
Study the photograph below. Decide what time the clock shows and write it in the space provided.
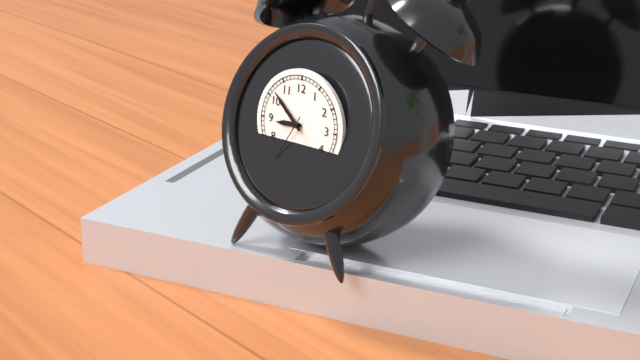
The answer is 8:52:35
